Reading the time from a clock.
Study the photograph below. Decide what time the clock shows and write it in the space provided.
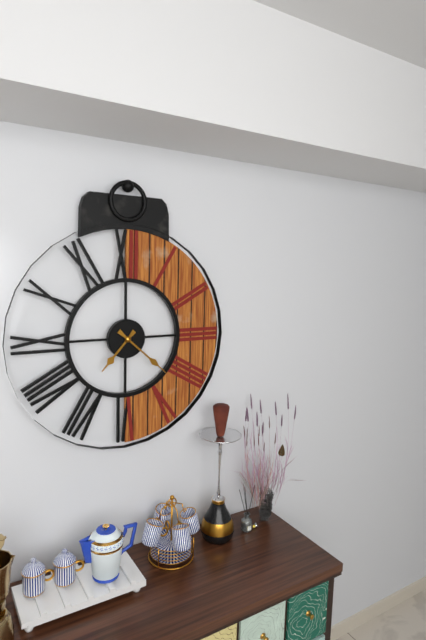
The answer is 7:22
